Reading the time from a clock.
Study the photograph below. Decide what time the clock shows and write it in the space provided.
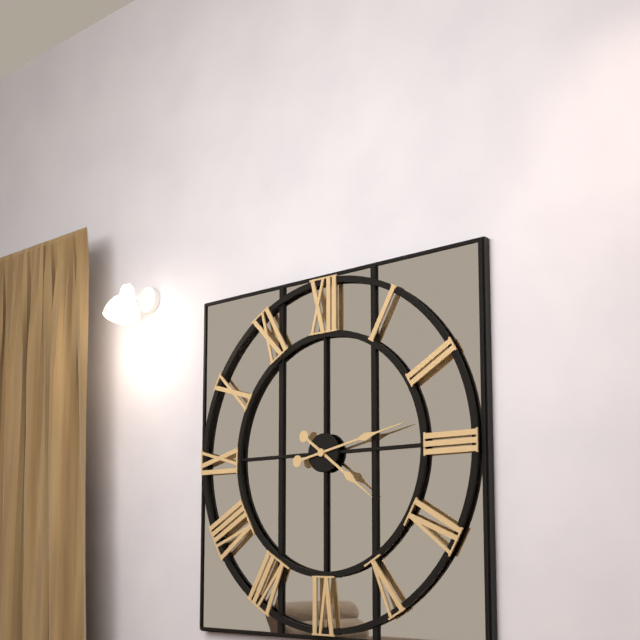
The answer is 4:13
